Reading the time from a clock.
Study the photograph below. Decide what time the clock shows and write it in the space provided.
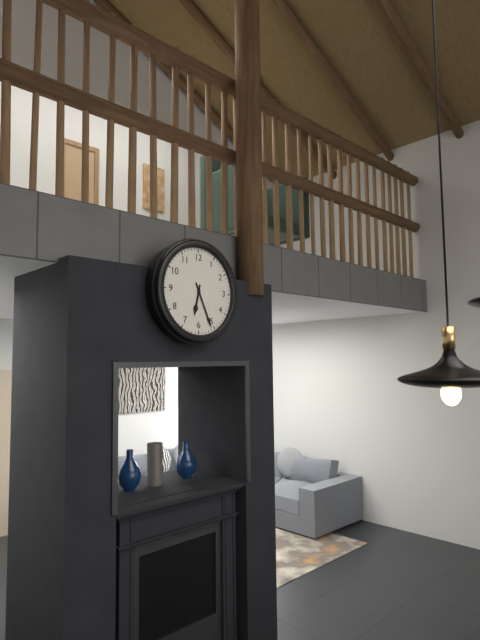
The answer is 6:26
